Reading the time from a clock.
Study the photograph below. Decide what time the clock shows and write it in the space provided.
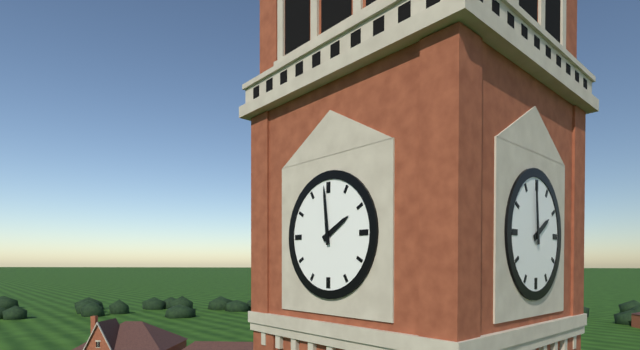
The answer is 1:59
